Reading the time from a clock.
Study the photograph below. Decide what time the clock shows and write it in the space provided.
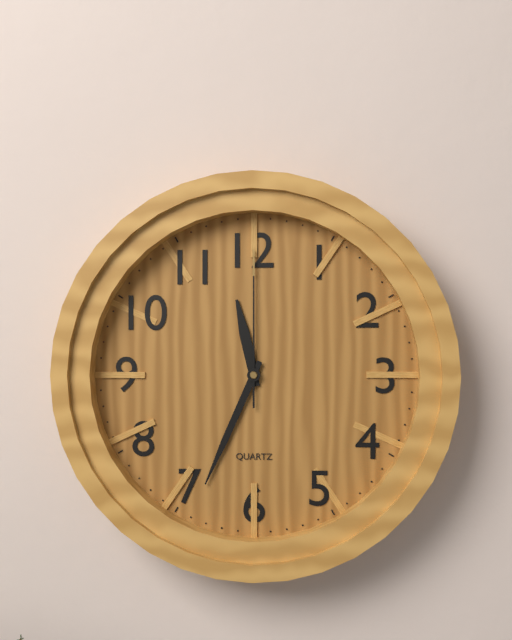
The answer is 11:34:00
